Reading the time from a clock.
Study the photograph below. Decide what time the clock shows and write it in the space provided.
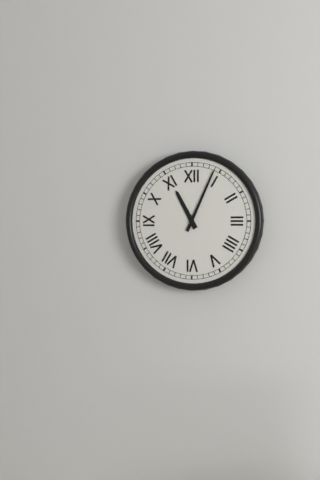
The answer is 11:04
